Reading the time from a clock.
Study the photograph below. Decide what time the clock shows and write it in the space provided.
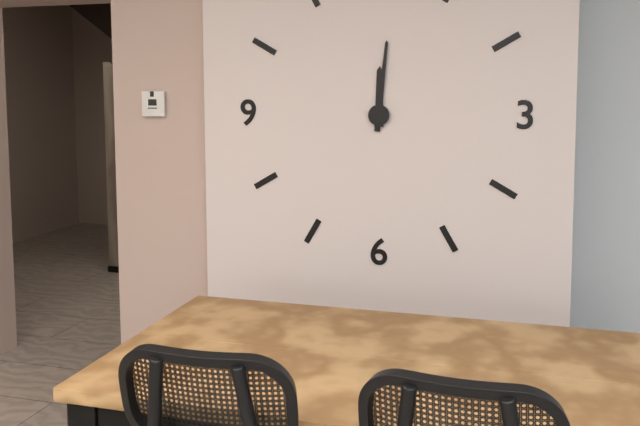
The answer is 12:01
